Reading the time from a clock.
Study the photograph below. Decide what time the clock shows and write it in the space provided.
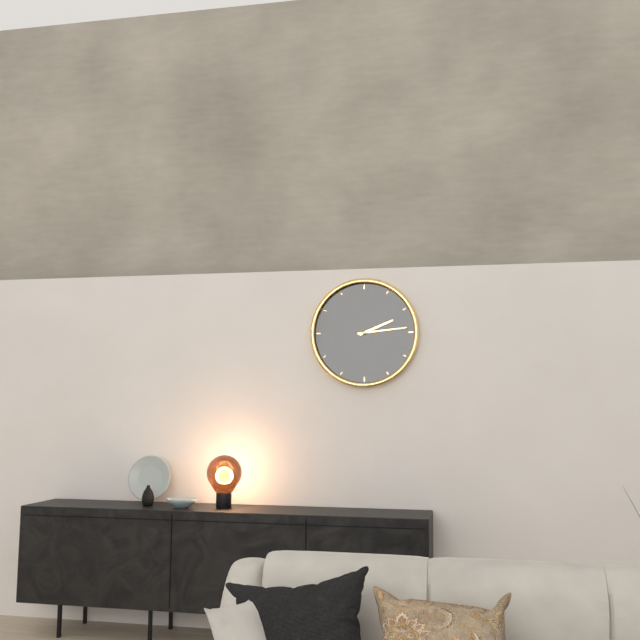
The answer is 2:14
